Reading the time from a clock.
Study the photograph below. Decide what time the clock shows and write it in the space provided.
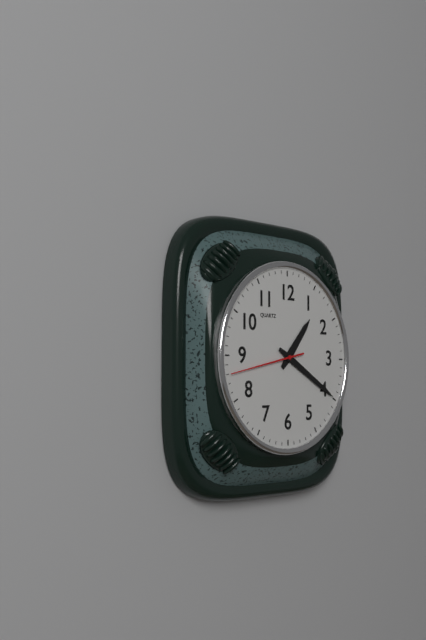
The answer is 1:20
